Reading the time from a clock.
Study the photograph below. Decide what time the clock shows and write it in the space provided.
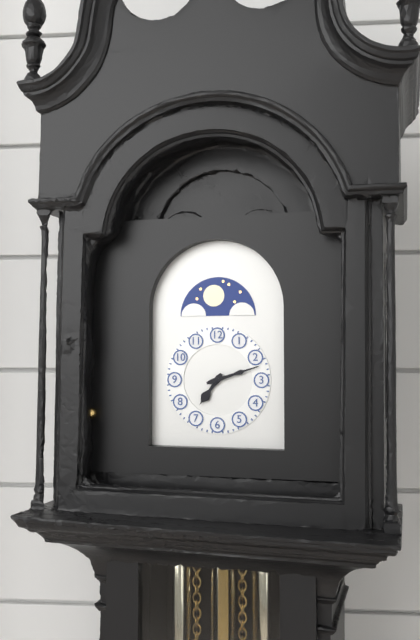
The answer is 7:12
